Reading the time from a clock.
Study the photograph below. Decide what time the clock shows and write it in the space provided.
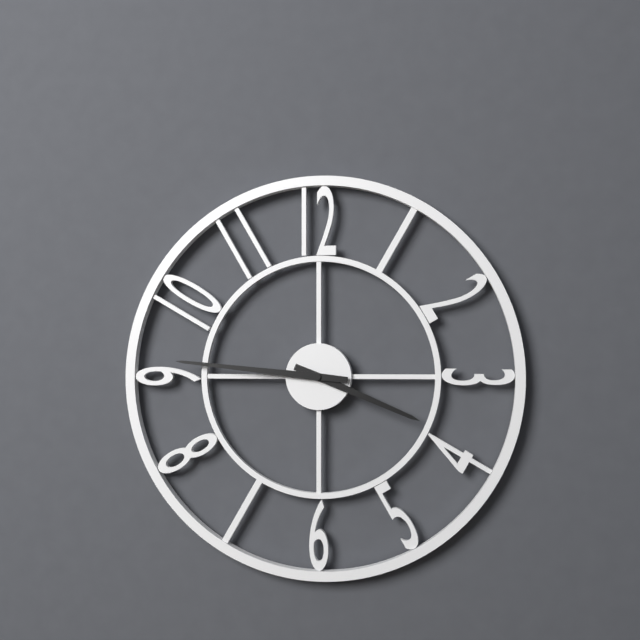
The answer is 3:46
